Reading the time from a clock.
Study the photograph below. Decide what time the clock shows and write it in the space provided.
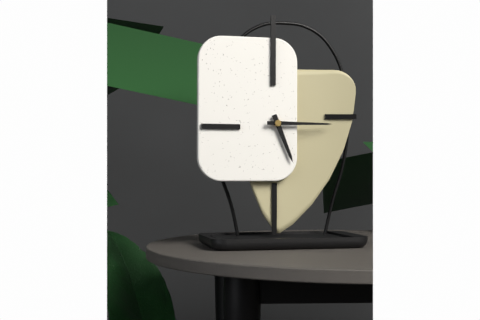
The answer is 5:15
